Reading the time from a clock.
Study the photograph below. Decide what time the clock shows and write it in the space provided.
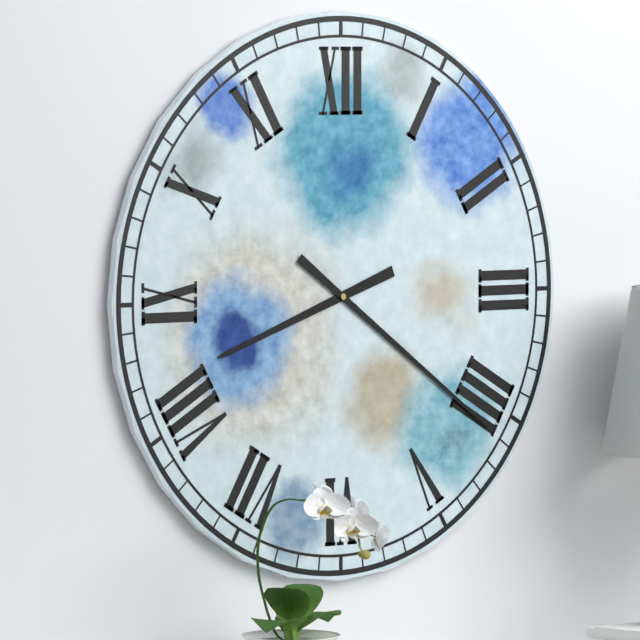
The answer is 8:21
